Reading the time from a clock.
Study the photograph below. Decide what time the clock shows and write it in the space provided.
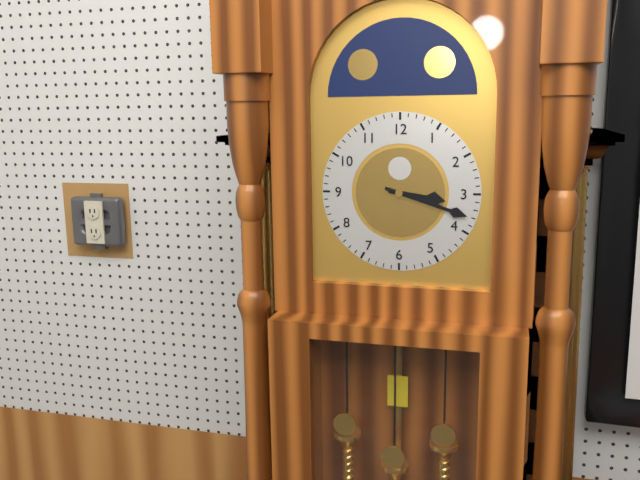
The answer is 3:18
